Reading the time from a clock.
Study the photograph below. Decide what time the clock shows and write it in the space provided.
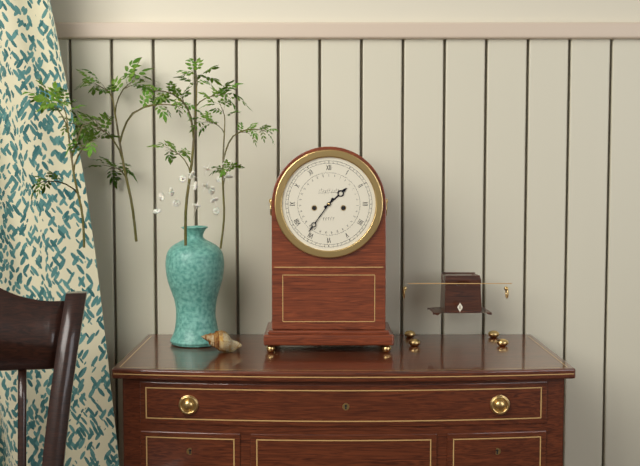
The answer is 1:36
